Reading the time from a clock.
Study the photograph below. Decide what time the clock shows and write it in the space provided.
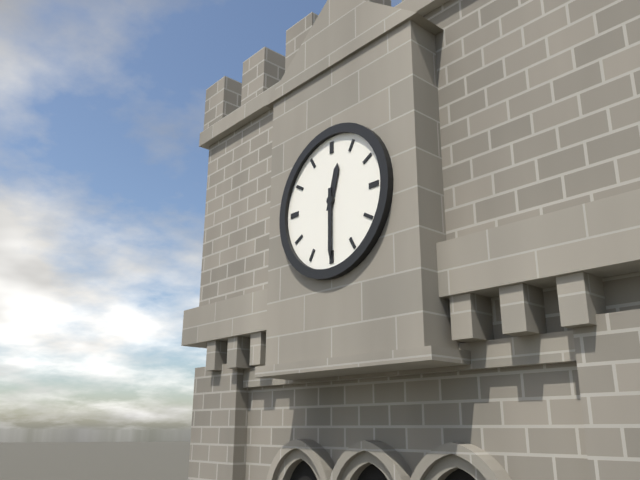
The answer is 12:30
